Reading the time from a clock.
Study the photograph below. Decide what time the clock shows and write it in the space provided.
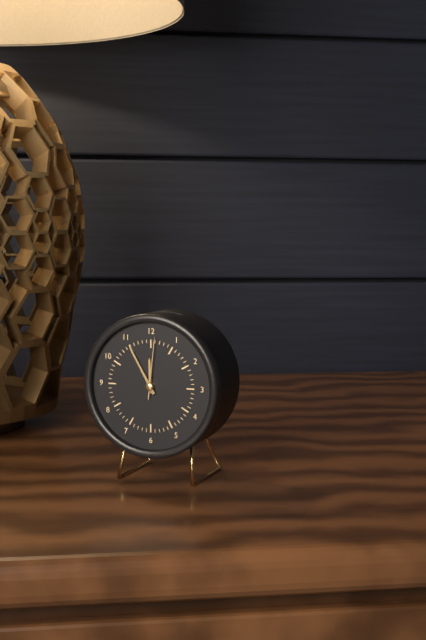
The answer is 11:55:01
